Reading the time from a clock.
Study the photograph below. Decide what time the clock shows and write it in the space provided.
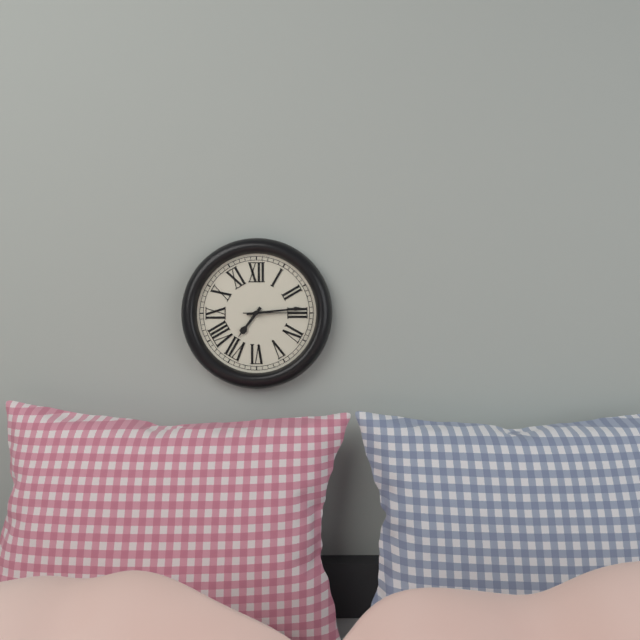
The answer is 7:14:15
